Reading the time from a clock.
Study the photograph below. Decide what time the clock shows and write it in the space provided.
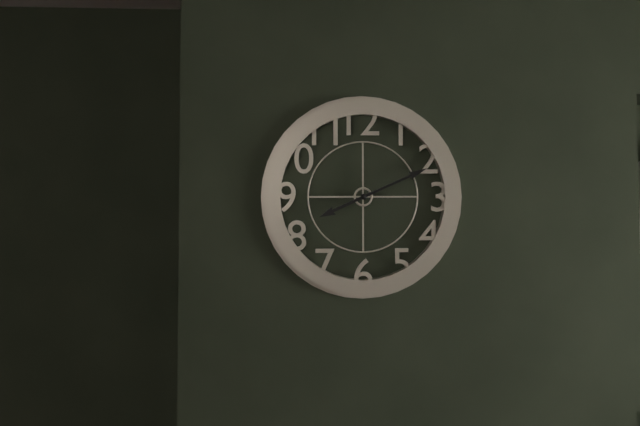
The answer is 8:11
